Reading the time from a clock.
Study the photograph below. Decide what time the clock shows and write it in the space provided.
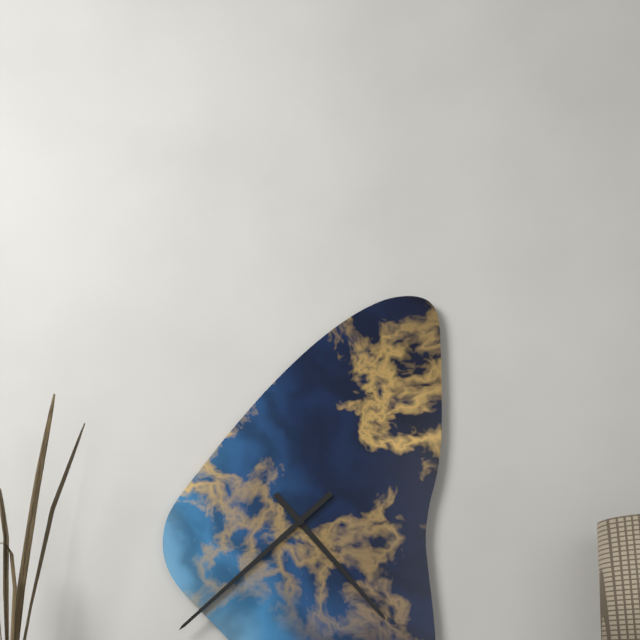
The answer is 4:38
